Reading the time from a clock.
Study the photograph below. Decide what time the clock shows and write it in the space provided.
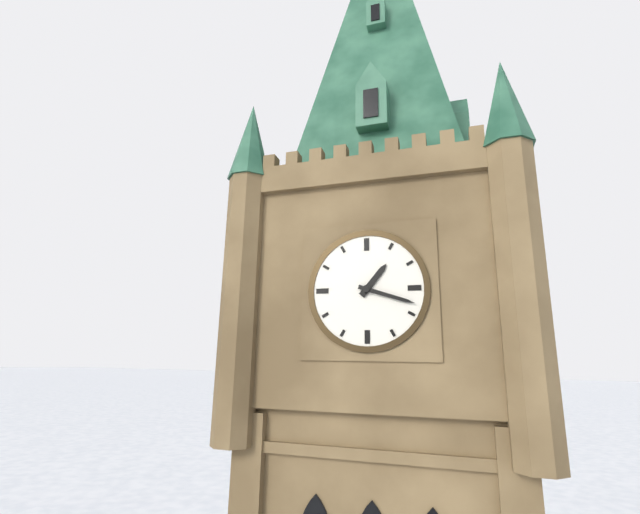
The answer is 1:18
